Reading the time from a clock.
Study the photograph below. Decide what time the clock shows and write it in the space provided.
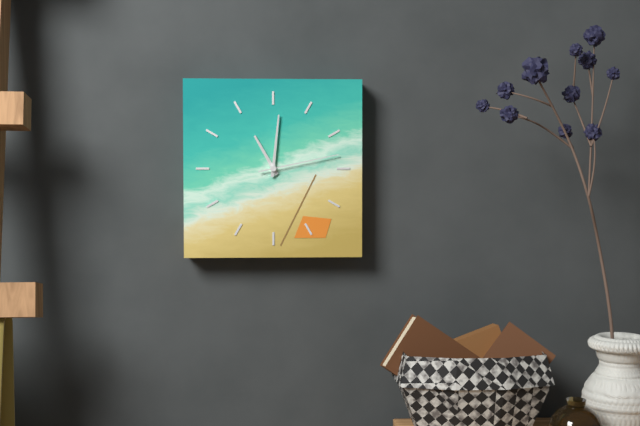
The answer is 11:01:13
